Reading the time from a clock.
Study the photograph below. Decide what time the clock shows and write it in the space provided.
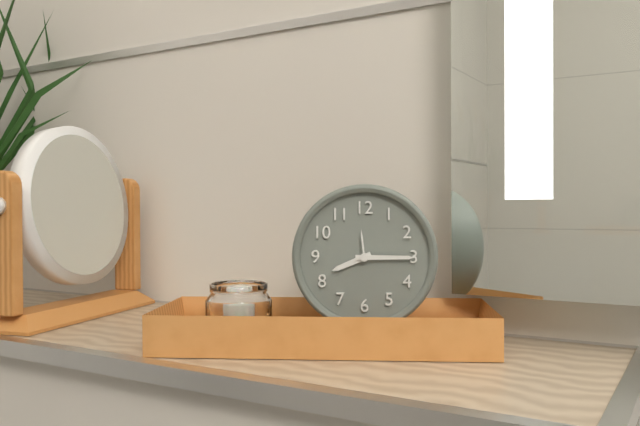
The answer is 8:15
